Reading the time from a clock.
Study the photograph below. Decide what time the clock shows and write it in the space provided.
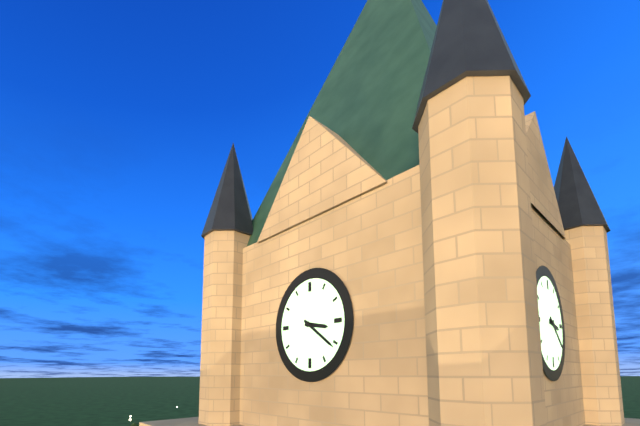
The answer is 3:21
